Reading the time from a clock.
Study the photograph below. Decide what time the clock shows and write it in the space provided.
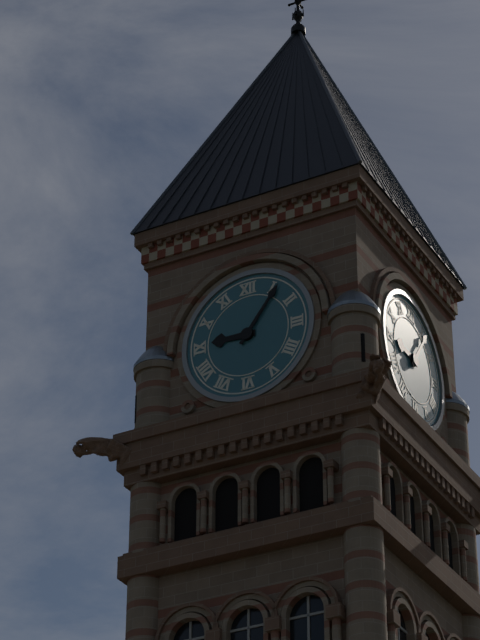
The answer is 9:06
